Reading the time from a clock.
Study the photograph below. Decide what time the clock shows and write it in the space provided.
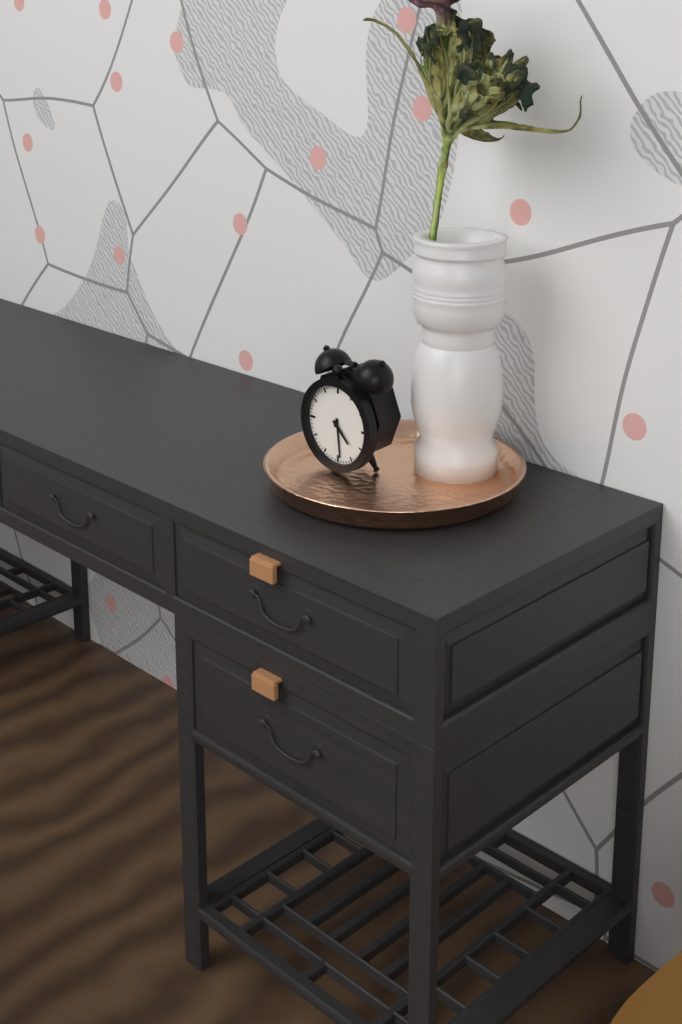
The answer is 4:29
